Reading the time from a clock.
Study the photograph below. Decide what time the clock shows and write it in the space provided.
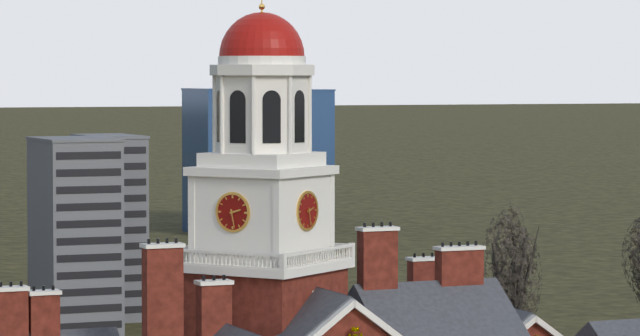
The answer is 2:28
